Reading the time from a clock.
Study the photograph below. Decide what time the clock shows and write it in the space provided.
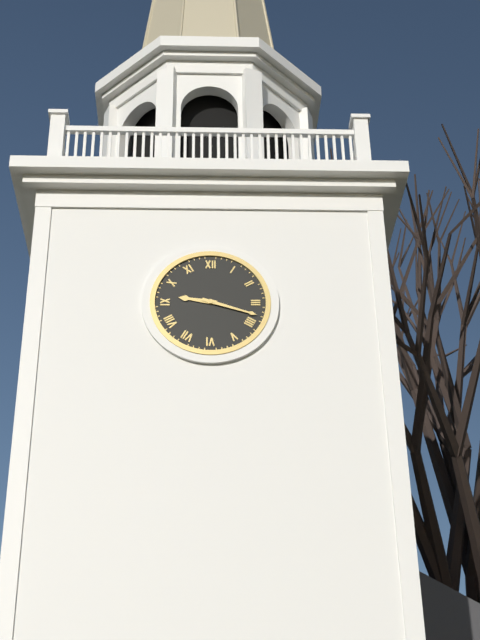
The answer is 9:18
